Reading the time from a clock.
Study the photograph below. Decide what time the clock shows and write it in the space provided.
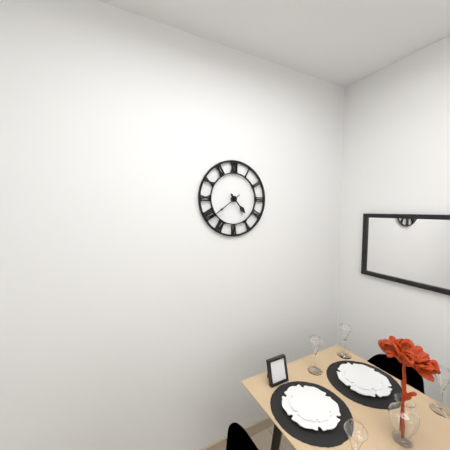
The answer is 4:39
